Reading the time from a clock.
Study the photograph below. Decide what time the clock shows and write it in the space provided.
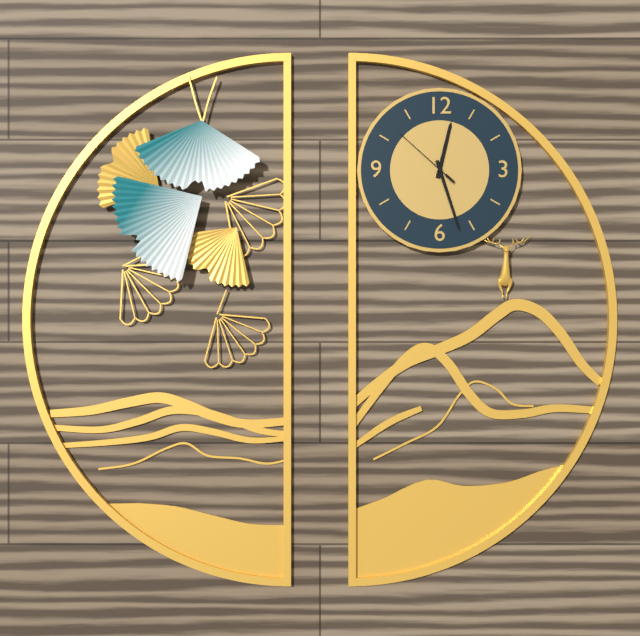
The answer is 12:27:52
